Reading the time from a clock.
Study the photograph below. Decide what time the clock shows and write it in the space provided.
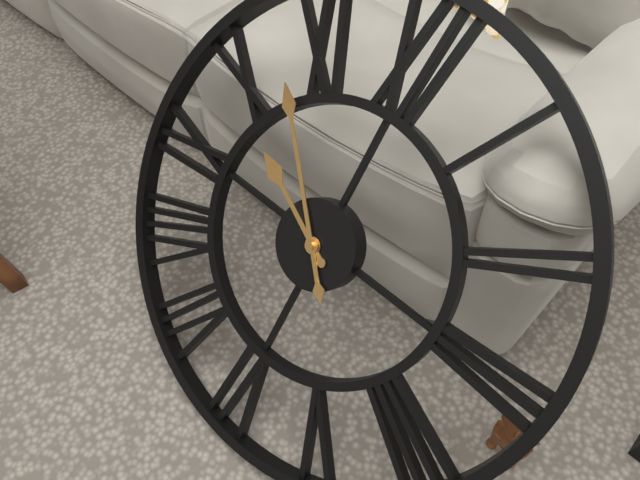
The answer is 9:53
